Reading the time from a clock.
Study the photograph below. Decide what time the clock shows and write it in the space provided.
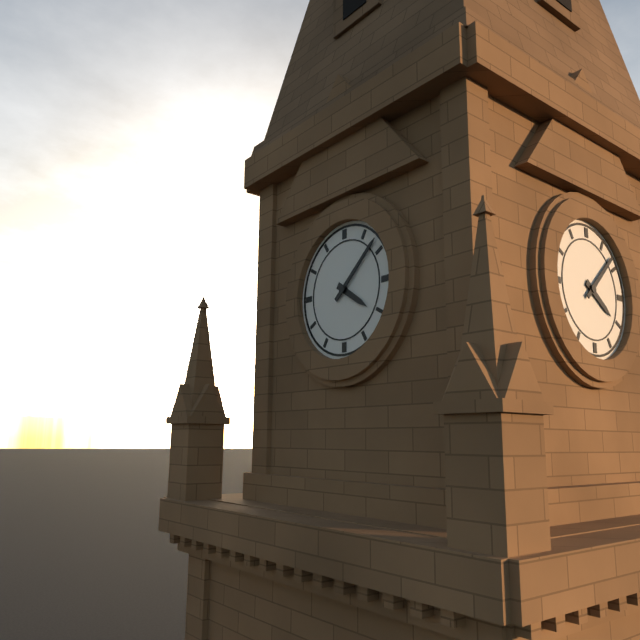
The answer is 4:08
